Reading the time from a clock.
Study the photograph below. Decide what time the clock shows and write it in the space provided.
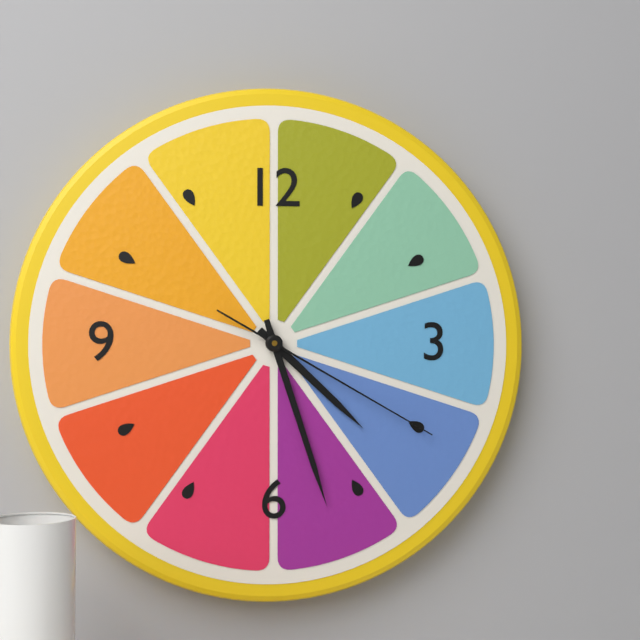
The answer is 4:27:20
